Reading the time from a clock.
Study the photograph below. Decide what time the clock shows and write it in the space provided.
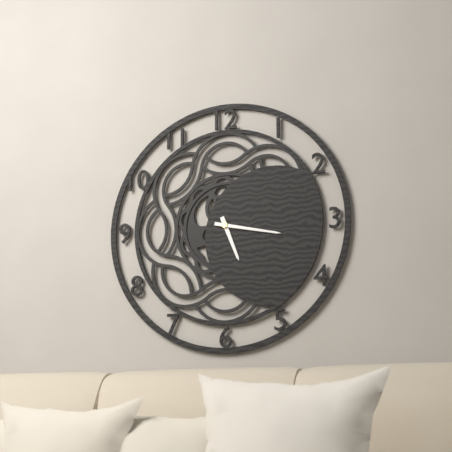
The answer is 5:17
